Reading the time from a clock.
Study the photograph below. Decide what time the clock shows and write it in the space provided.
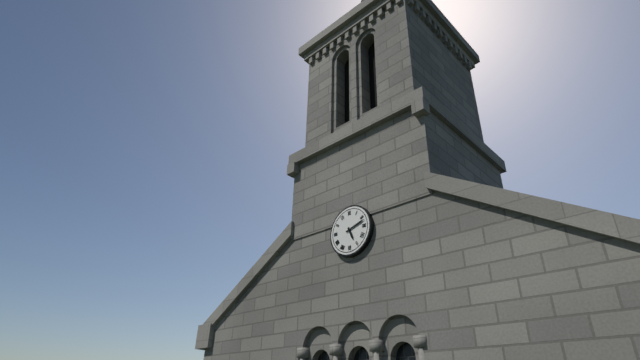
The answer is 5:12
